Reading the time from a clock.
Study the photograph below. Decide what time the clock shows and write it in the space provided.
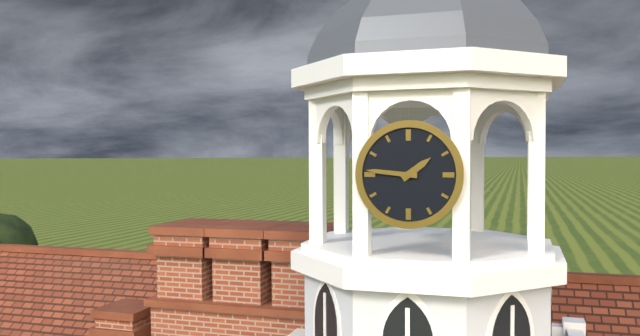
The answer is 1:46
